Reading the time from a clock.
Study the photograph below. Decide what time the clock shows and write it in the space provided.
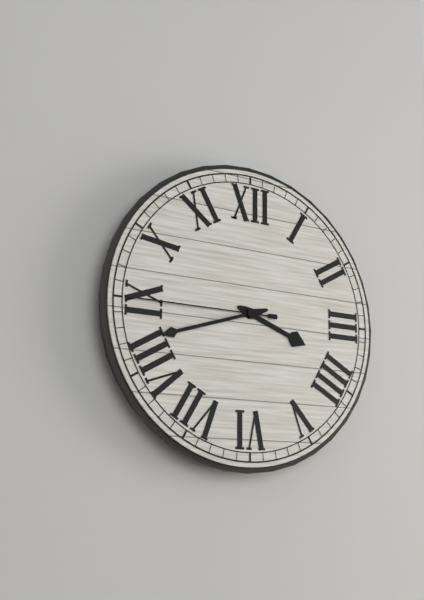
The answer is 3:42:45
